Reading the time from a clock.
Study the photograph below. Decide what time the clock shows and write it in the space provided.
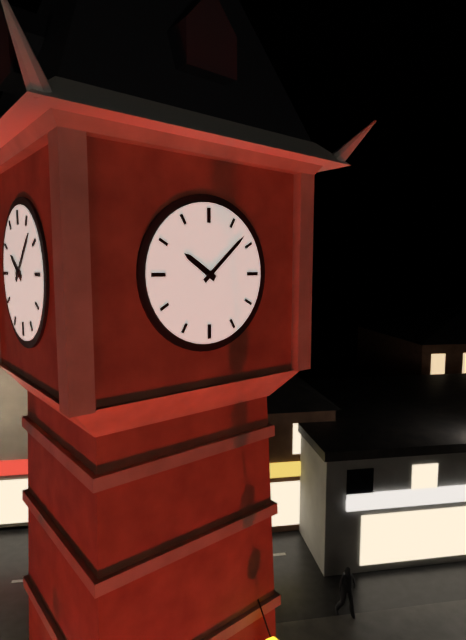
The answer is 10:08
